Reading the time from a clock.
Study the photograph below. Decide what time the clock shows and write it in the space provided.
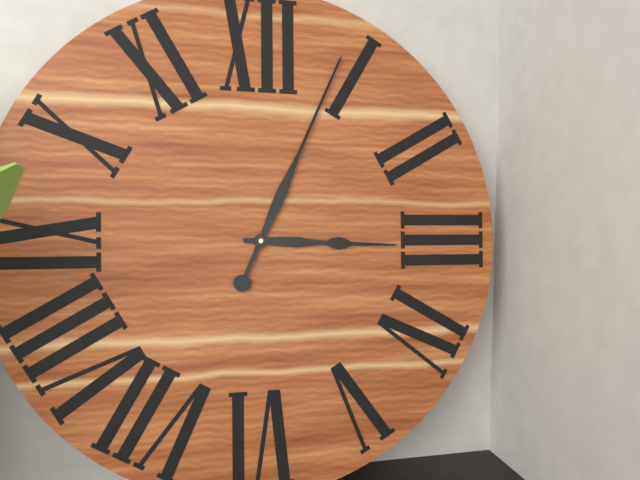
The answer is 3:04
